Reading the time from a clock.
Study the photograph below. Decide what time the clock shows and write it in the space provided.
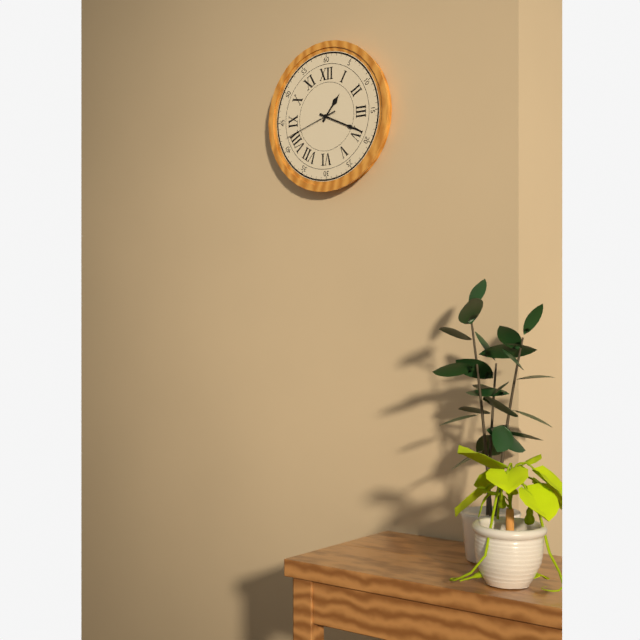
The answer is 1:19:42
